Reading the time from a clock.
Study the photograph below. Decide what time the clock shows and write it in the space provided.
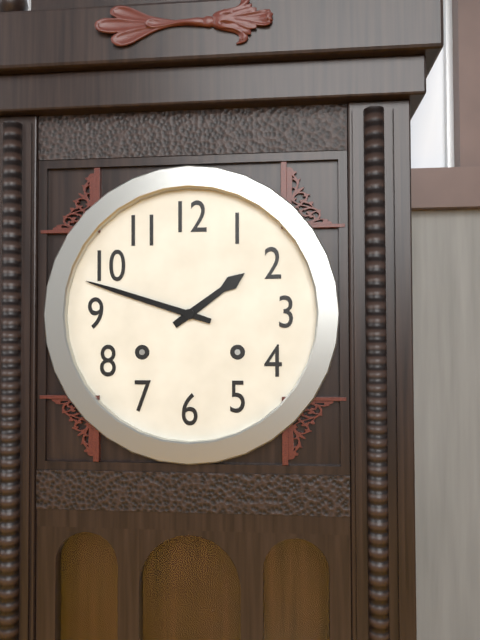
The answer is 1:48
